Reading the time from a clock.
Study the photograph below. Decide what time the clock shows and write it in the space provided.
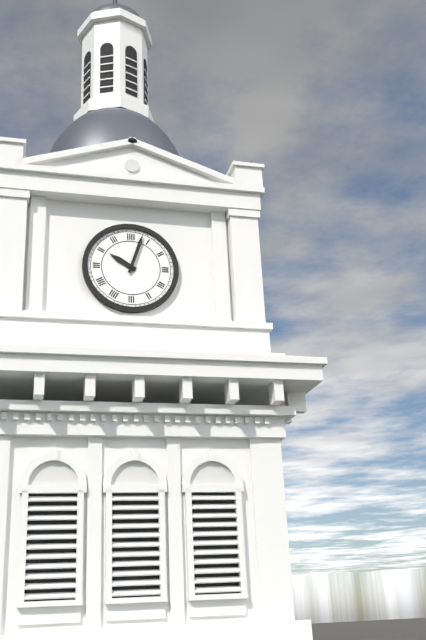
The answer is 10:03
